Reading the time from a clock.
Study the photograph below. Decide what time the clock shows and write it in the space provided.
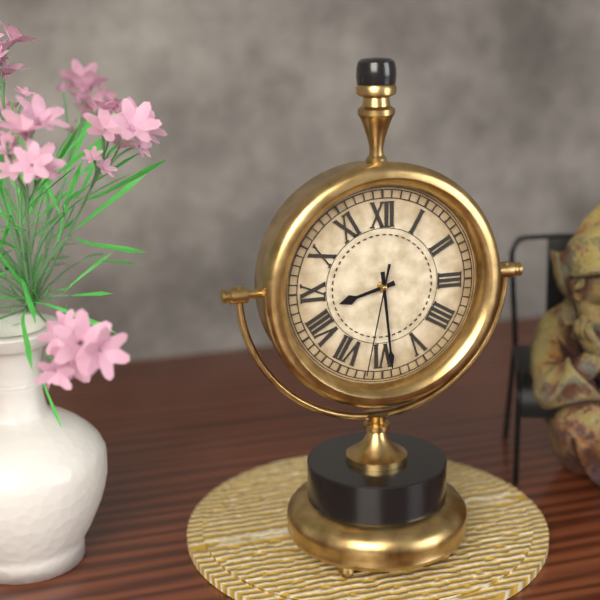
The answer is 8:29:32
